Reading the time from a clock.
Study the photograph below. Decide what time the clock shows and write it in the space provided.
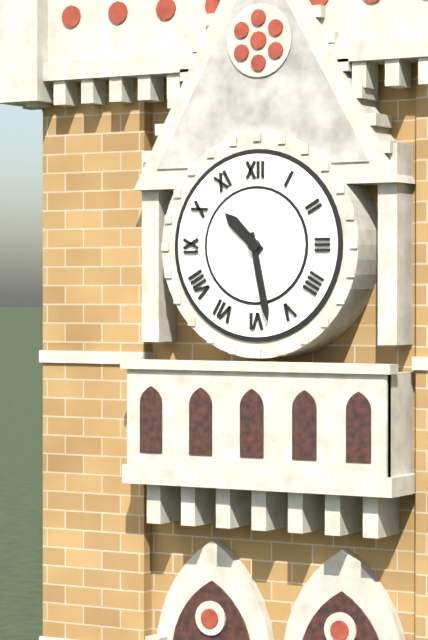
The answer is 10:28
